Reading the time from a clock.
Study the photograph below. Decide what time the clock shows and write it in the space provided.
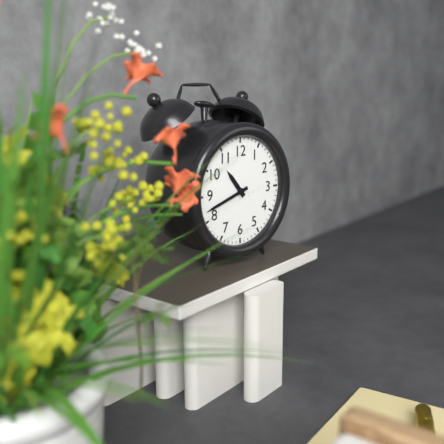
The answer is 10:42
